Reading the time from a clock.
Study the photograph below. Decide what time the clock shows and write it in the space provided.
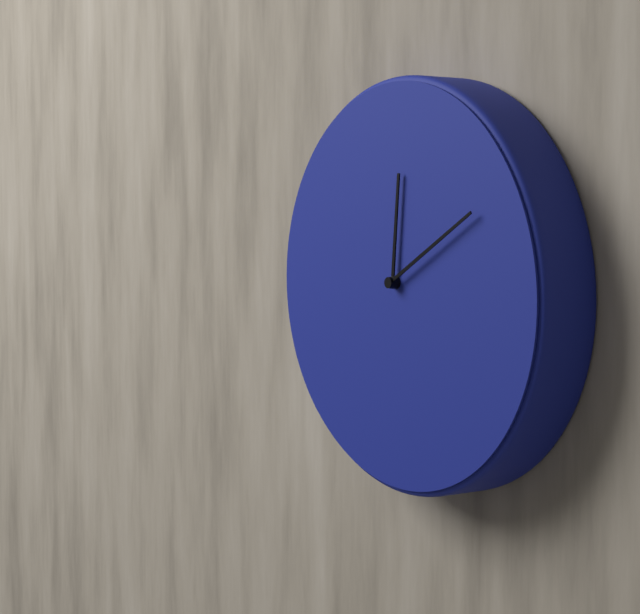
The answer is 12:10
